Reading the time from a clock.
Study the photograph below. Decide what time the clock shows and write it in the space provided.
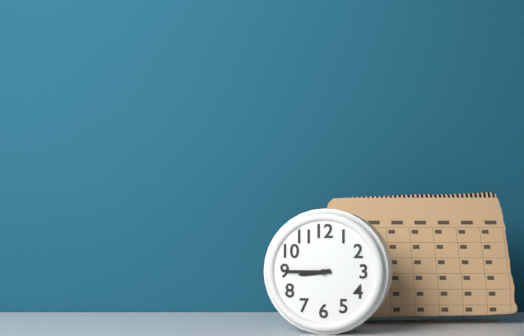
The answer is 8:45
